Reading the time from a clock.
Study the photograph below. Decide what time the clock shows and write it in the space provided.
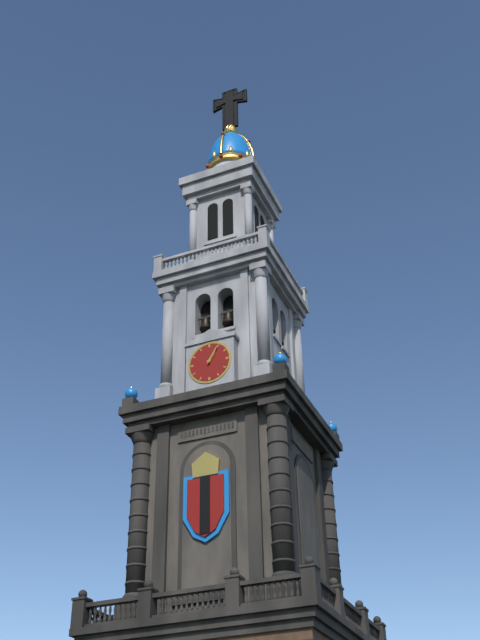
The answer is 1:05
